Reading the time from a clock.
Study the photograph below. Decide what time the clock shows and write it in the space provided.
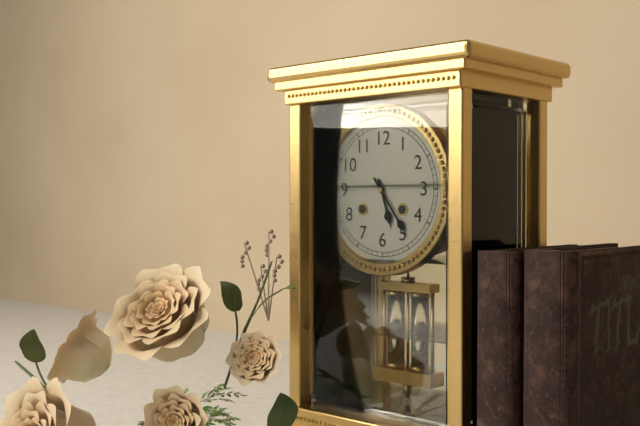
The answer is 5:24
